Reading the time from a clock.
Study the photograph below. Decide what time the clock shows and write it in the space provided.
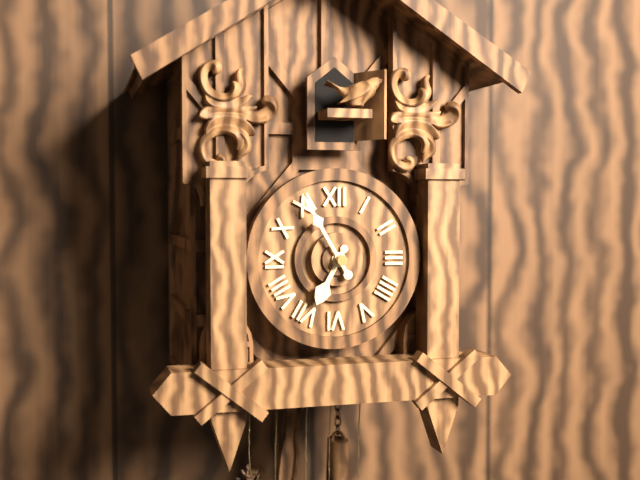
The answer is 6:55
